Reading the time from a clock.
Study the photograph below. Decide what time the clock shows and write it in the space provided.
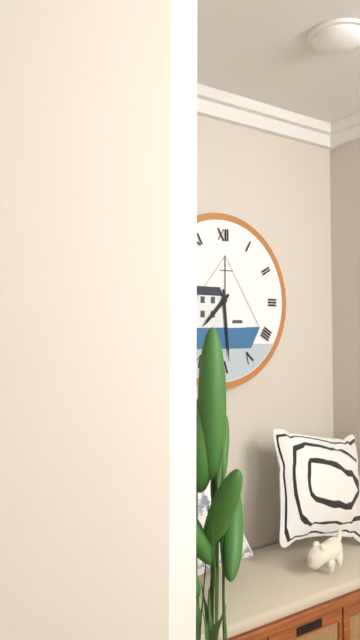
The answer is 7:29
